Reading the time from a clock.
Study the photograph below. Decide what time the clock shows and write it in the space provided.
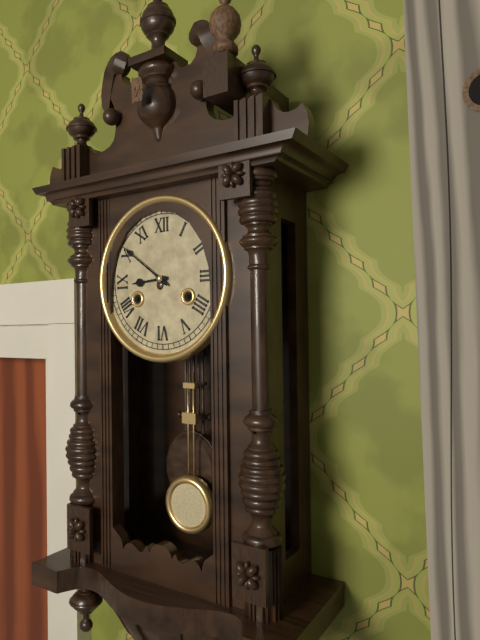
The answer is 8:51
